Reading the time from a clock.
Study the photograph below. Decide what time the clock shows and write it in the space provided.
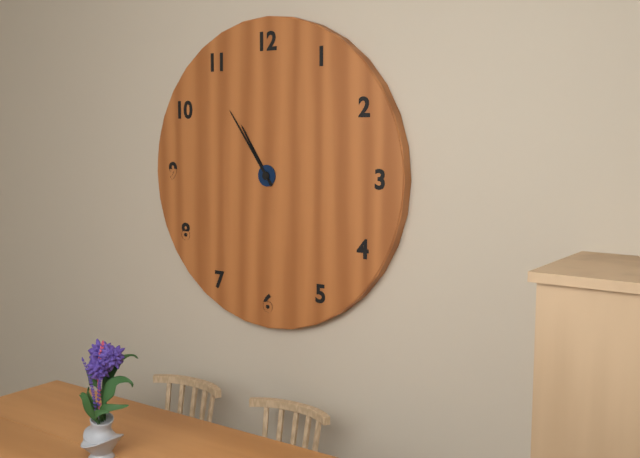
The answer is 10:54
